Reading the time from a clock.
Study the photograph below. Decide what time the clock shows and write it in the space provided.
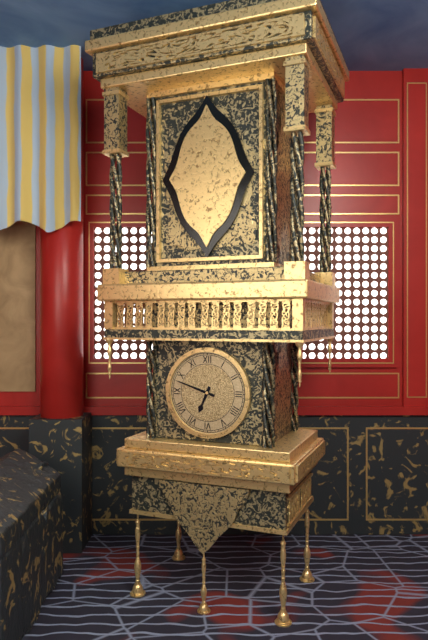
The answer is 6:48
